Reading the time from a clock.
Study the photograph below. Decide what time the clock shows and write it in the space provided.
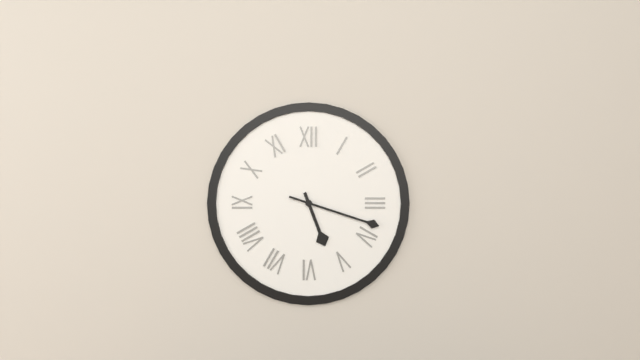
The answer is 5:18
